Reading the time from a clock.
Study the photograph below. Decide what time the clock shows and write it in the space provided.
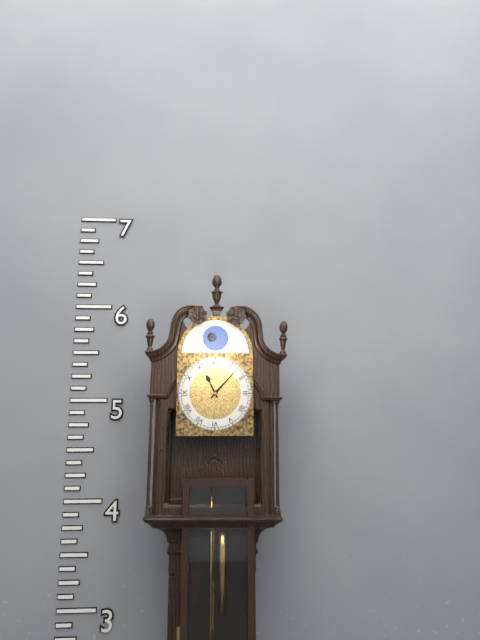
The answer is 11:07
